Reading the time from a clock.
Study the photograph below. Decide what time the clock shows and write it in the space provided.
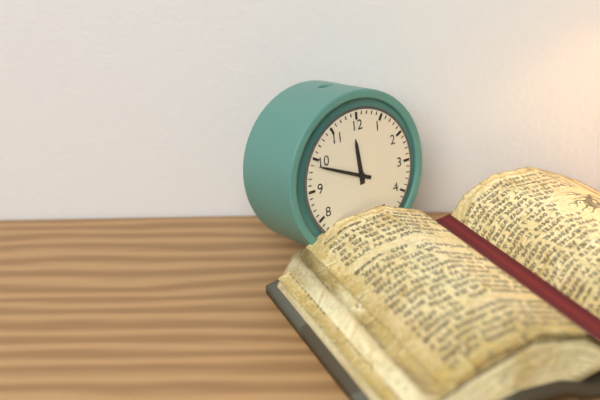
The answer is 11:49
